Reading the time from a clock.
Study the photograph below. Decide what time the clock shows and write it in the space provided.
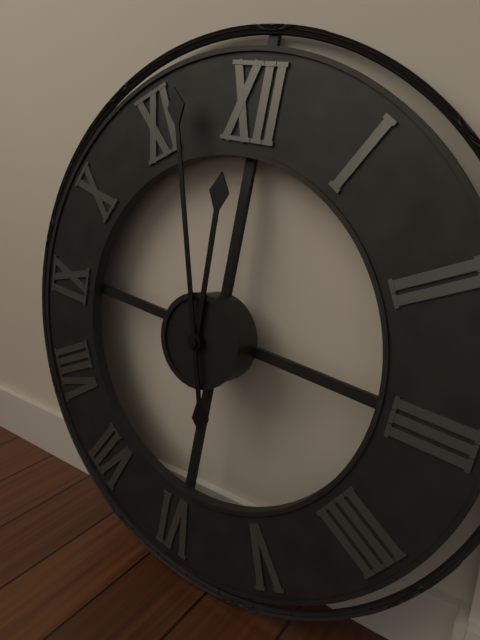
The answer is 11:57
